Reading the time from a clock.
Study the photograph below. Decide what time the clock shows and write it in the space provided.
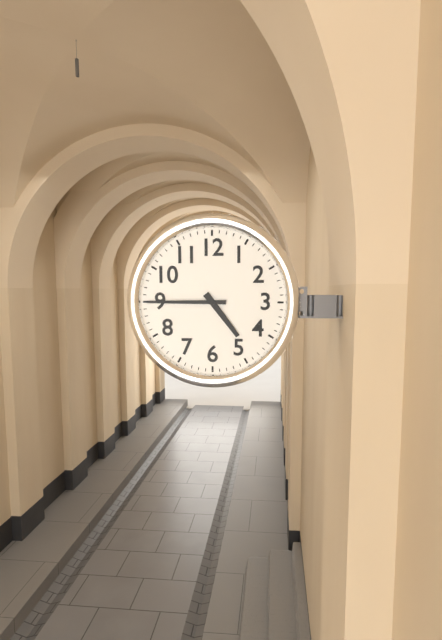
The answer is 4:45
